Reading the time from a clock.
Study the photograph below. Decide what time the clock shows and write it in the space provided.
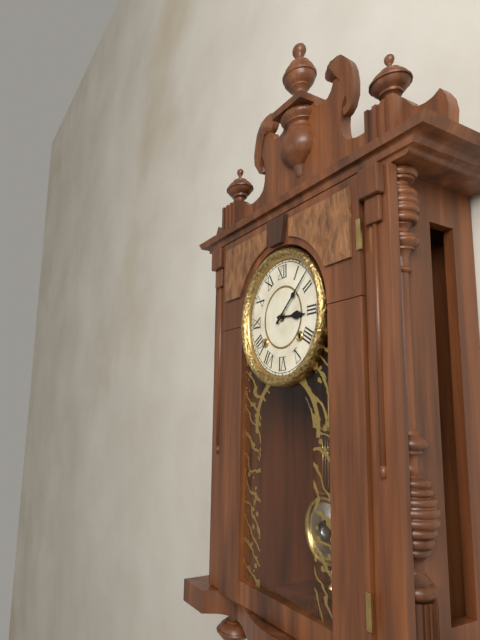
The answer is 3:08
